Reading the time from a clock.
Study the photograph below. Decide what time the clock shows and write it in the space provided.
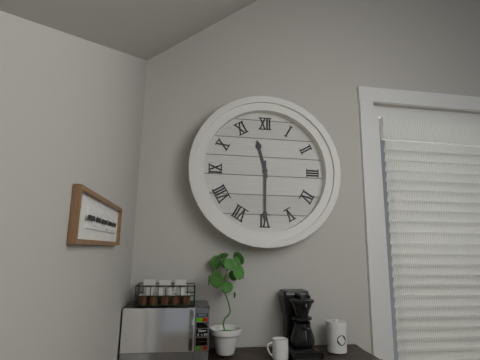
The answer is 11:30
